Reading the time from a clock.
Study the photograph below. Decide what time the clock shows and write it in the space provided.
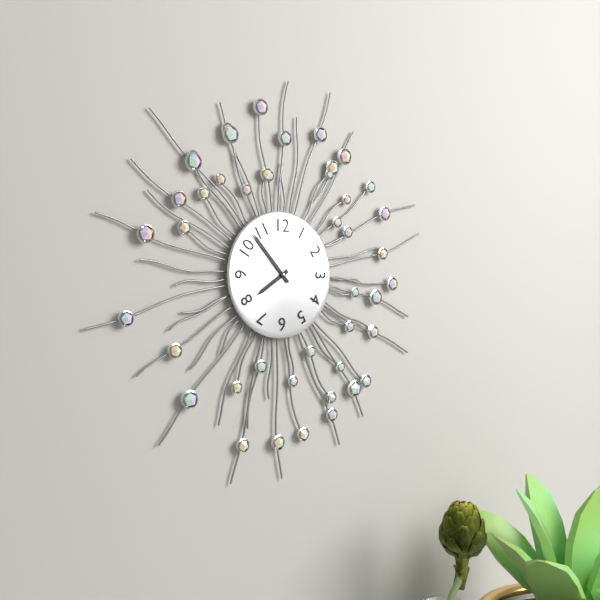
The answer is 7:53
